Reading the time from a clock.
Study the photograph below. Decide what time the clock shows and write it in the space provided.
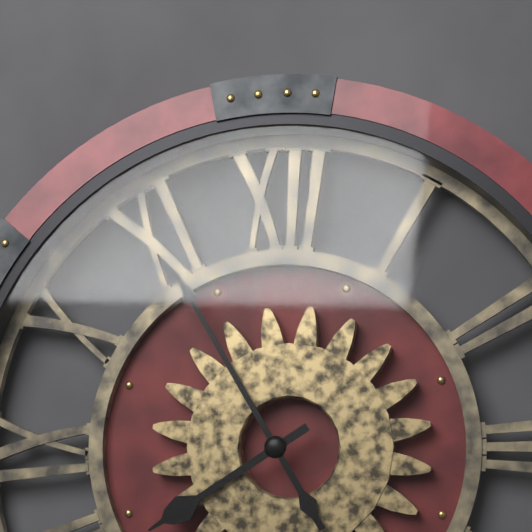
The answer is 7:55
